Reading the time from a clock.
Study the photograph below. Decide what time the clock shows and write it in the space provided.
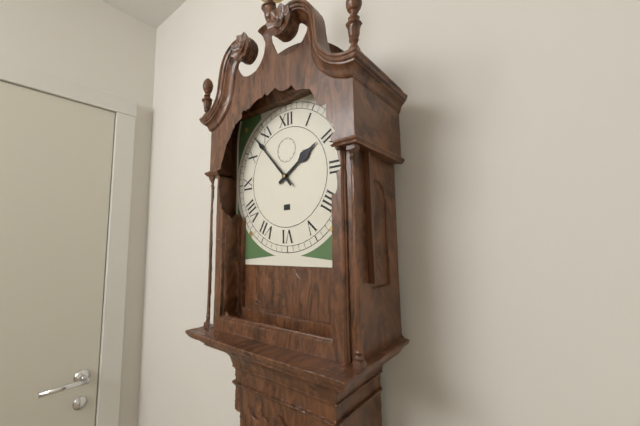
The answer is 1:53
